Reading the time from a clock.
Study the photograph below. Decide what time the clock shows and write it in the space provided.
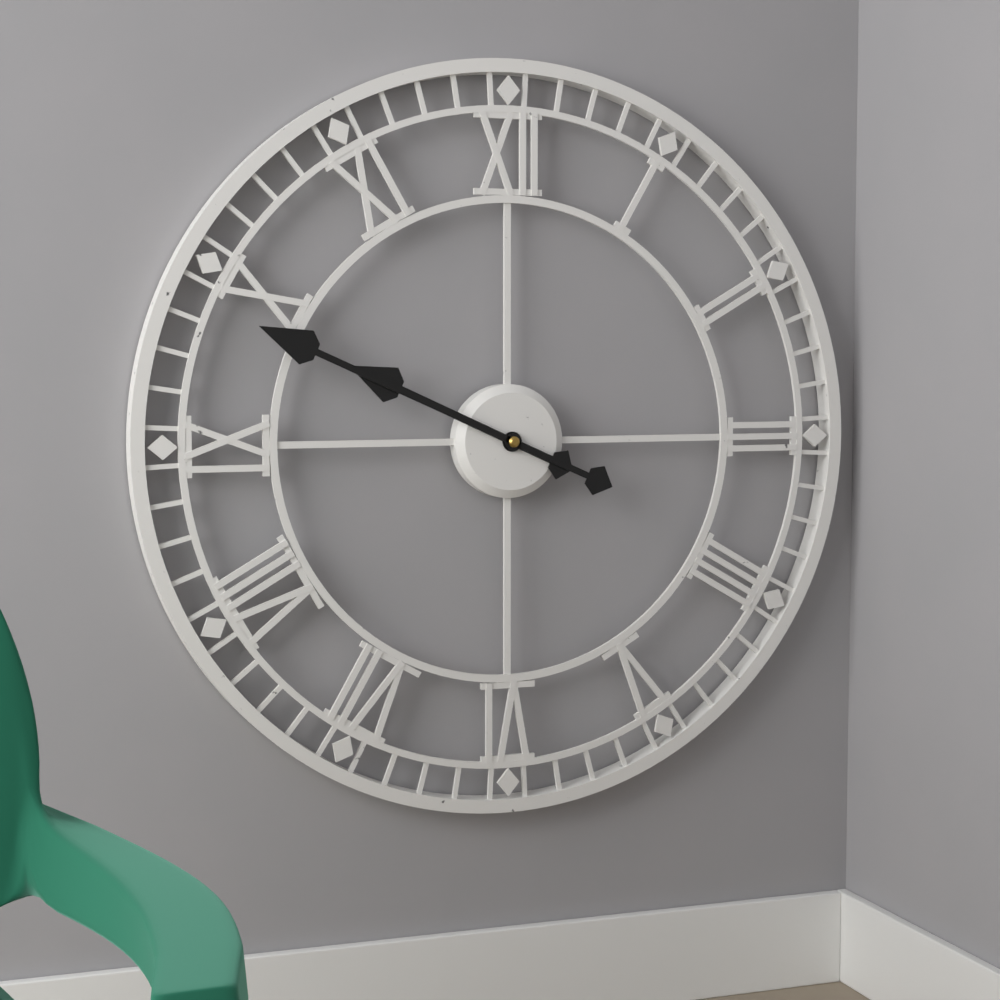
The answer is 9:49
